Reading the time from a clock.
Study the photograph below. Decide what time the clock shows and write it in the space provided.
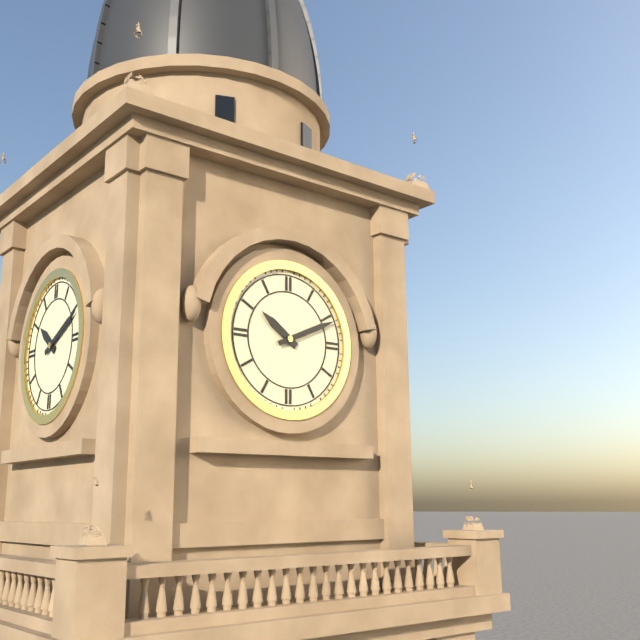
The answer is 10:11
